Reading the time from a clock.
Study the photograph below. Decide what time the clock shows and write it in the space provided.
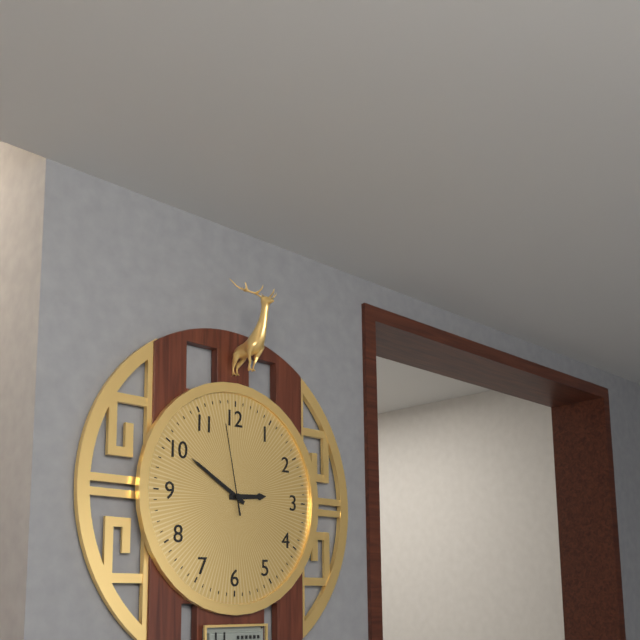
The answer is 2:50:58
